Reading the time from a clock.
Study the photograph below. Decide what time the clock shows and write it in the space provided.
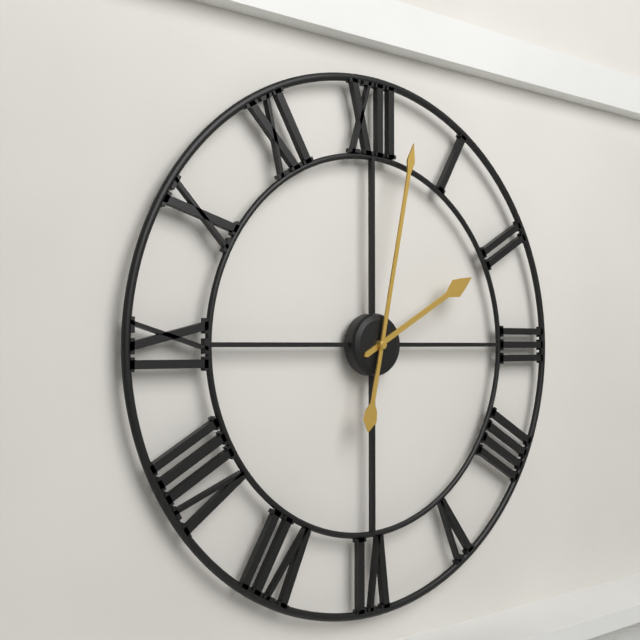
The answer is 2:02
